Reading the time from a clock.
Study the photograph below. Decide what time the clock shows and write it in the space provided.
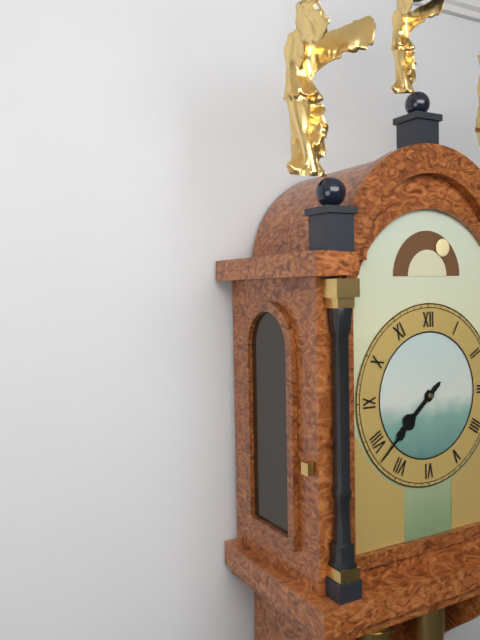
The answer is 7:38
